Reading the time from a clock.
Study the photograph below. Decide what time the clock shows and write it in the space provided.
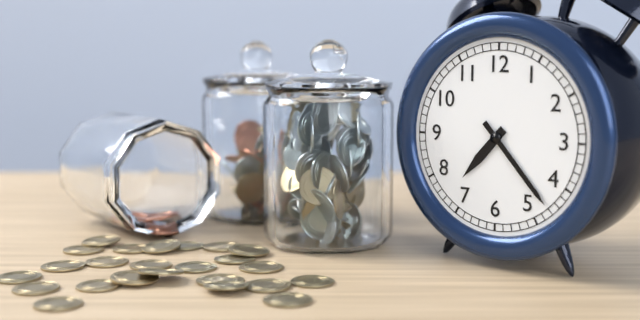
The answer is 7:23
